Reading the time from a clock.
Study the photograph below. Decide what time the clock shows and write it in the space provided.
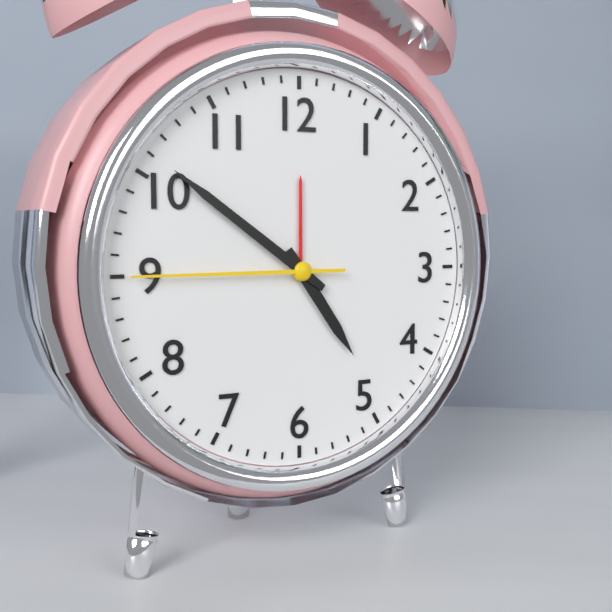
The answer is 4:51:45
